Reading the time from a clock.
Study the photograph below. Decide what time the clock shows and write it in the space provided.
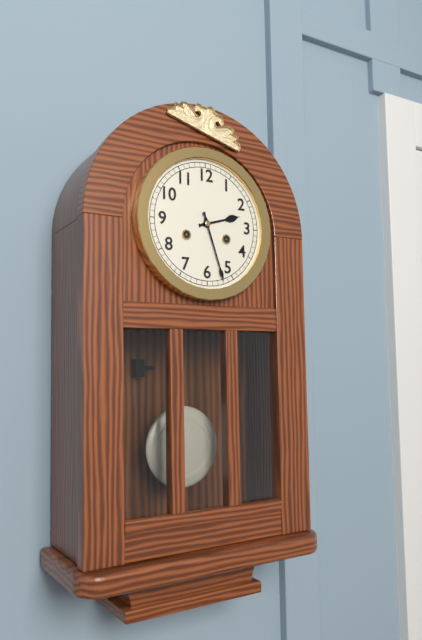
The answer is 2:27
